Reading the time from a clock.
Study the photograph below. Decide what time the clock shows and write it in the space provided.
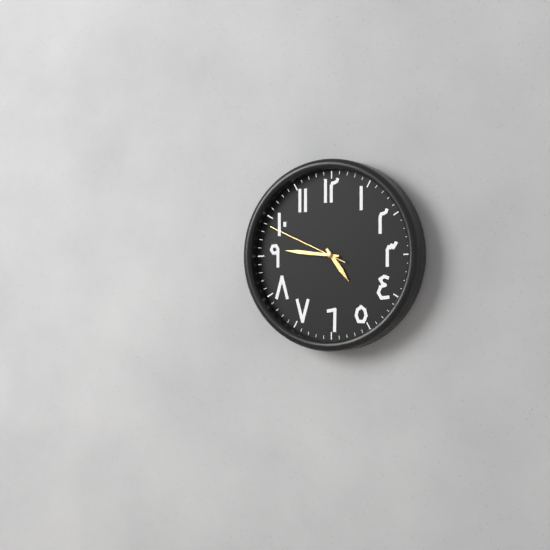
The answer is 4:46:49
